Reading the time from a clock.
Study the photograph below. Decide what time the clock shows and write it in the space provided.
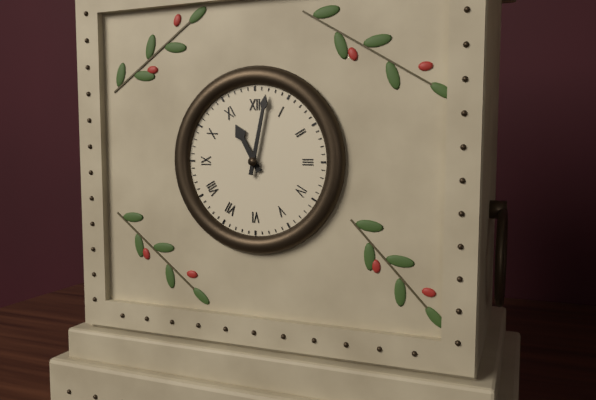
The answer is 11:02
